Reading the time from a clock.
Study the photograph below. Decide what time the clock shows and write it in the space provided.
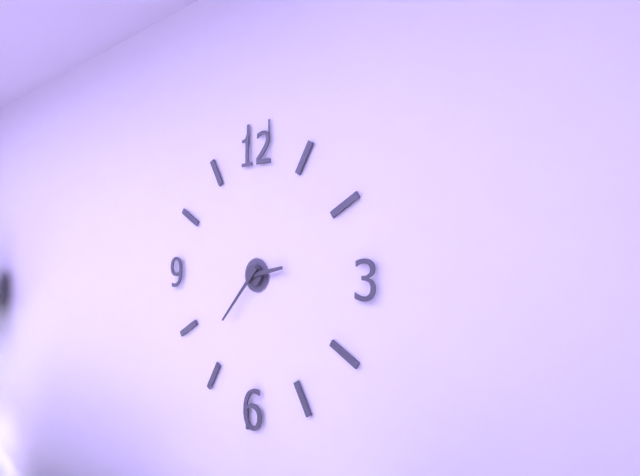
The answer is 2:37
